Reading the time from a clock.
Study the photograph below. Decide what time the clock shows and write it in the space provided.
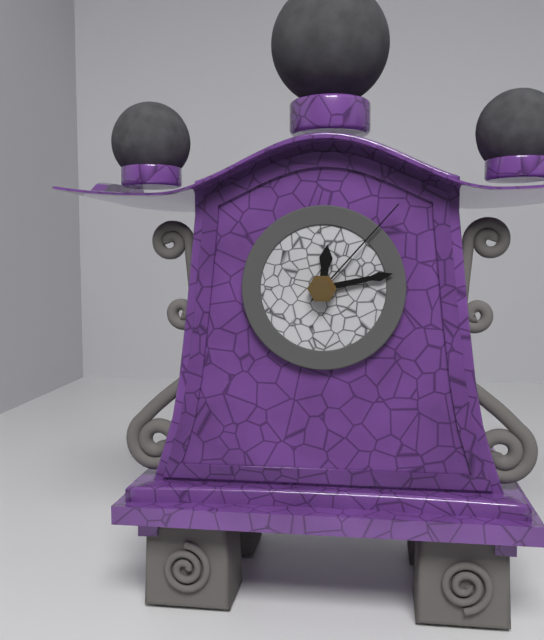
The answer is 12:13:07
